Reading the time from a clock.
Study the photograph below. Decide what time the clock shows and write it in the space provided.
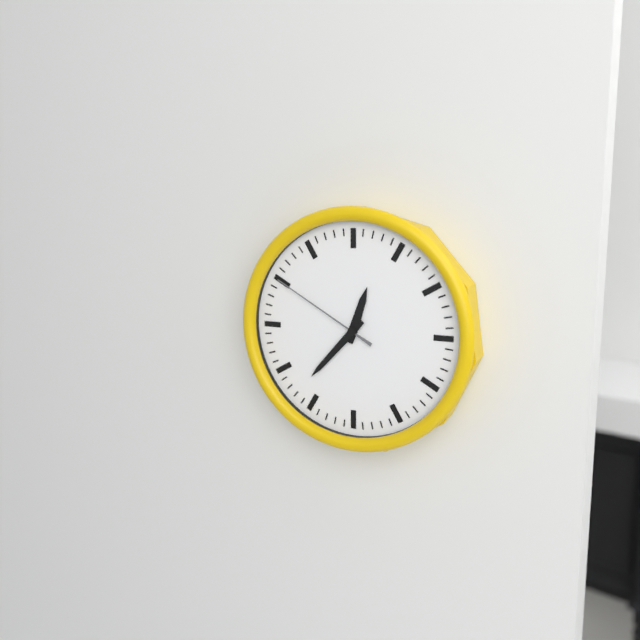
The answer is 12:37:50
